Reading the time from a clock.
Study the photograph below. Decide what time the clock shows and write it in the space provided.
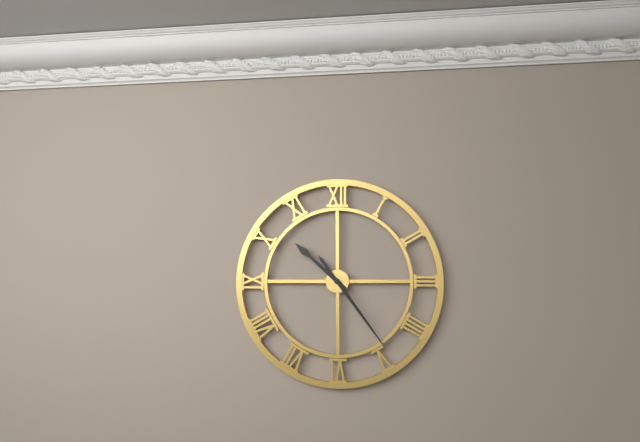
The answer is 10:24
